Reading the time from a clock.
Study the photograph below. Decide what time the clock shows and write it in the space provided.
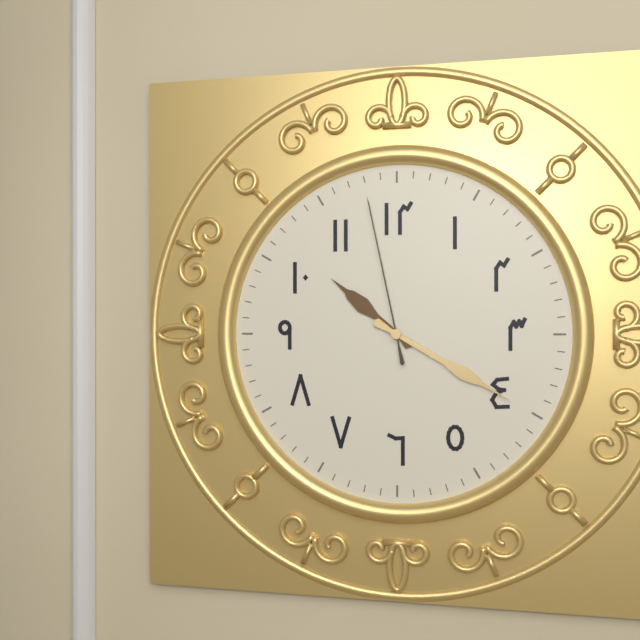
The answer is 10:20:58
